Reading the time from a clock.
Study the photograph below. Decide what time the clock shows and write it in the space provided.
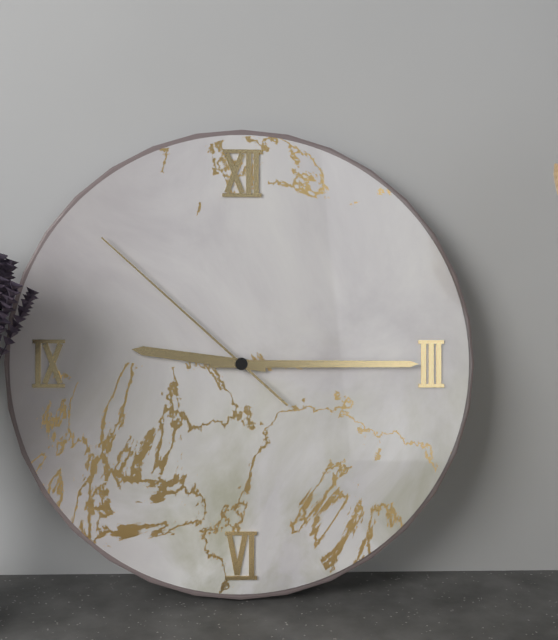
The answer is 9:15:52
